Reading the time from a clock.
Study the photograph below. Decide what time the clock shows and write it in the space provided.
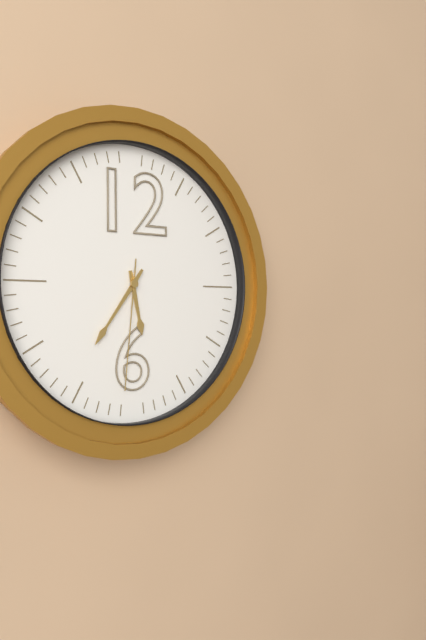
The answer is 5:36:31
